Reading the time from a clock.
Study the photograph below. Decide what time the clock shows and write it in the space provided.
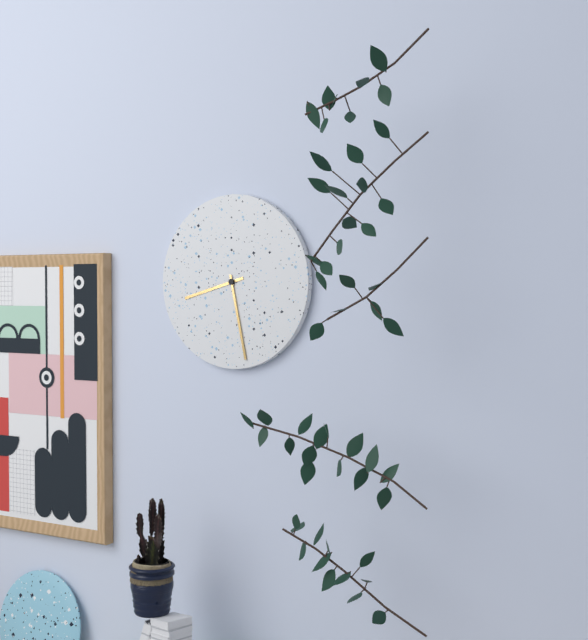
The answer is 8:28
